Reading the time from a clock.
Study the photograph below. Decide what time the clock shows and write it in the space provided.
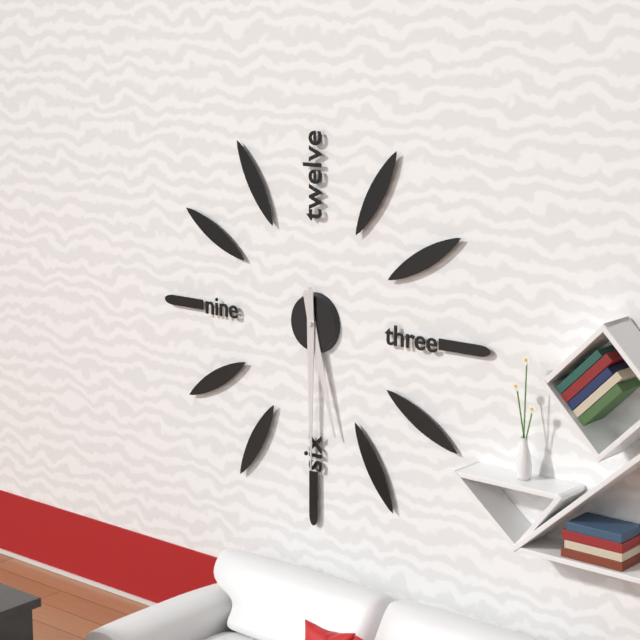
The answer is 5:30
